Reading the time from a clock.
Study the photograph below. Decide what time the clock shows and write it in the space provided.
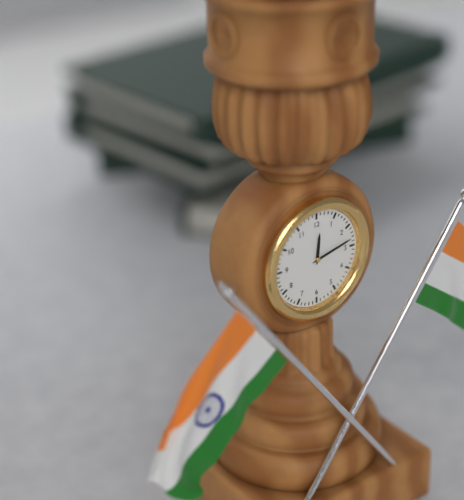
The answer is 12:13
